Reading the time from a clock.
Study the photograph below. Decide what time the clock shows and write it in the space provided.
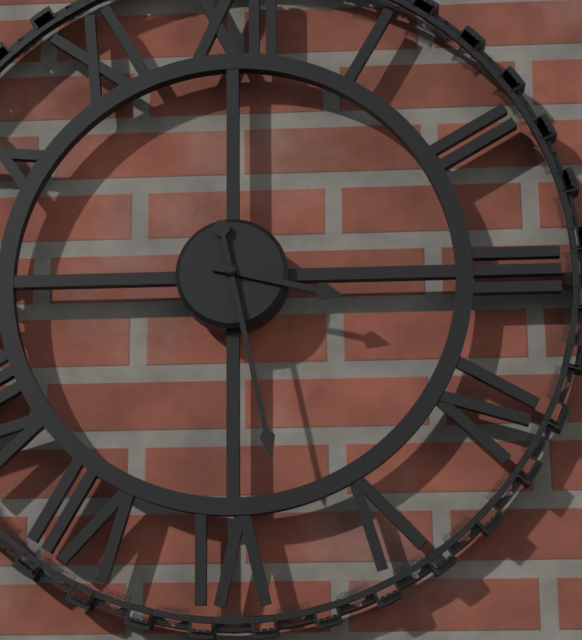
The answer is 3:28
